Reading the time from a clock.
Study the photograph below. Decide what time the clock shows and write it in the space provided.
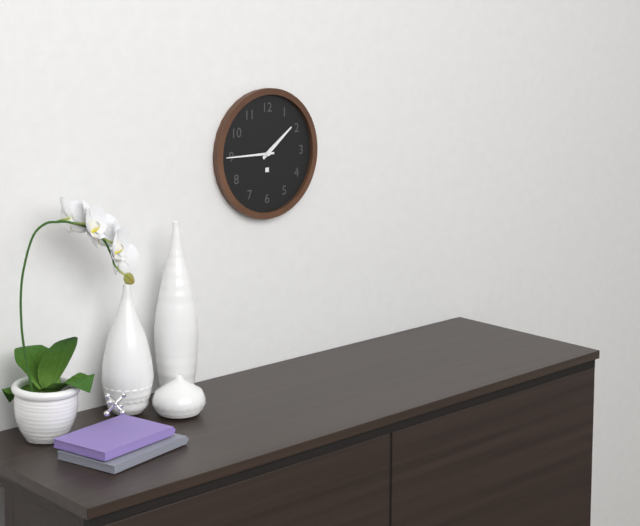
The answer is 1:45
